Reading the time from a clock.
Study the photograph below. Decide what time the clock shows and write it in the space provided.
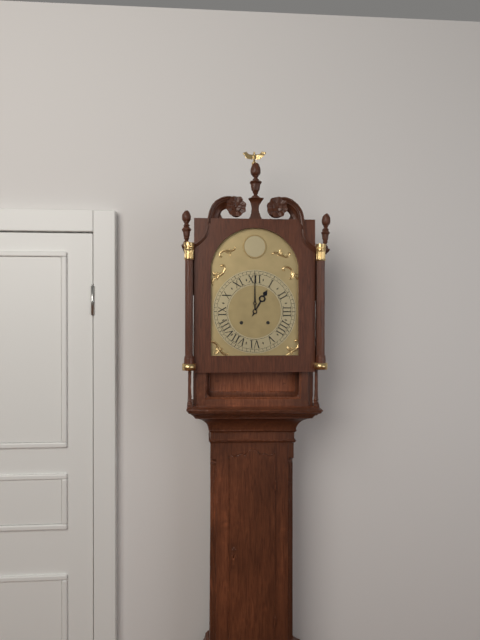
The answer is 1:00
